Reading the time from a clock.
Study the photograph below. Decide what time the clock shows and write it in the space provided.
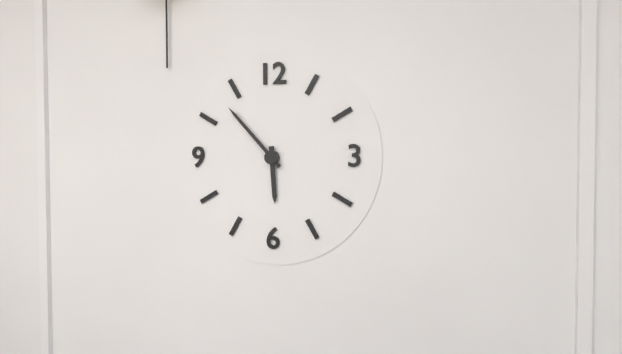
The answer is 5:53
